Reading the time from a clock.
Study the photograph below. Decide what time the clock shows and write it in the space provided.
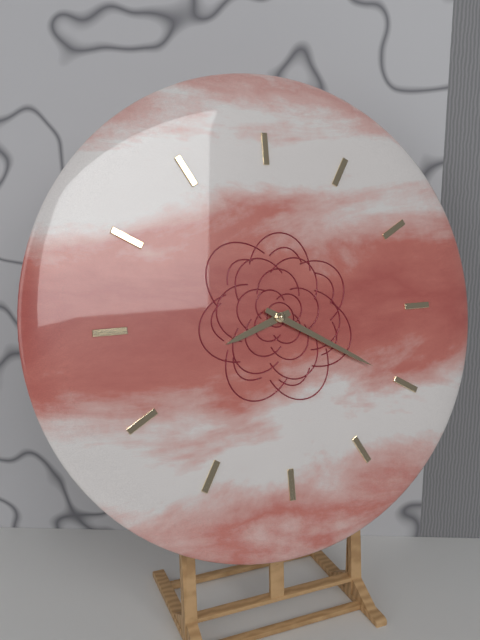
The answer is 8:20
